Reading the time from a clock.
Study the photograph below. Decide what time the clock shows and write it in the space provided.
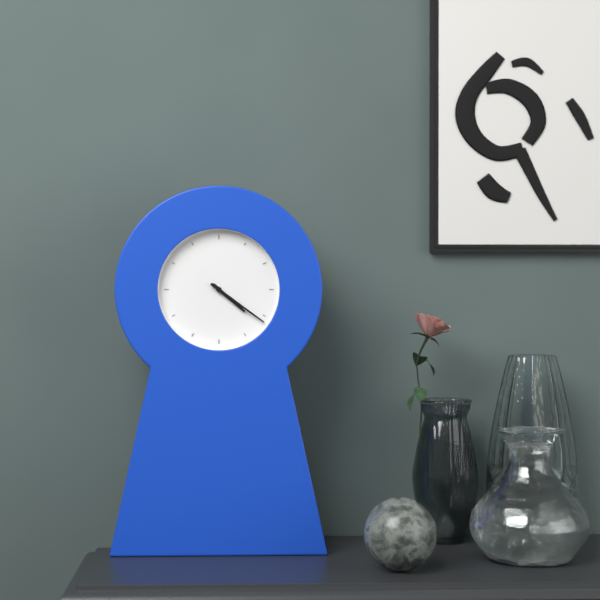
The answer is 4:21
